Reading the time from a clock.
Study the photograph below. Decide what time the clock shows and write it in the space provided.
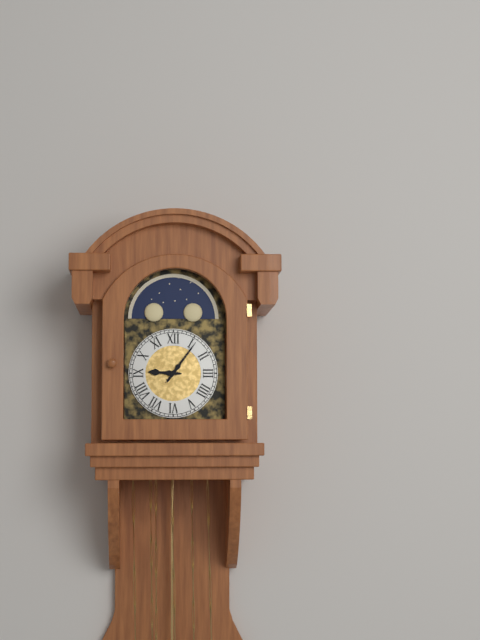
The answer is 9:06
